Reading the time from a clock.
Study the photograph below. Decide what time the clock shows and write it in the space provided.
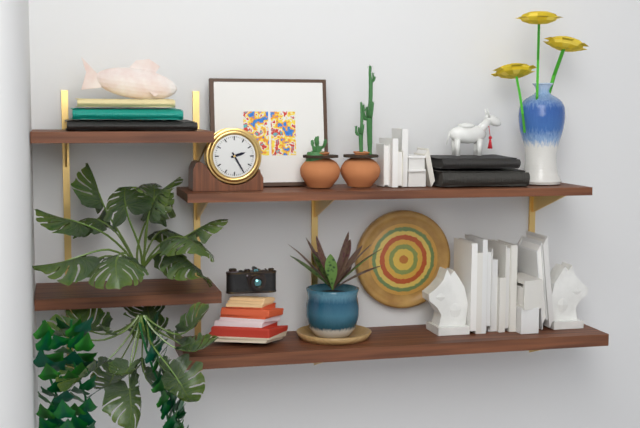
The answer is 2:25
